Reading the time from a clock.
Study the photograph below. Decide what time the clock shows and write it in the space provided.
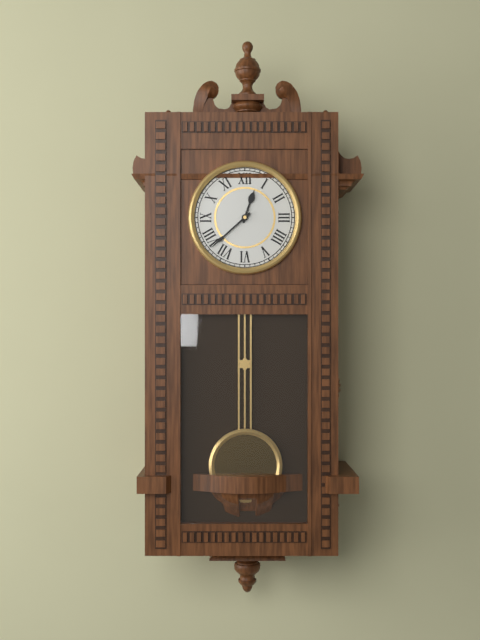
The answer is 12:38
